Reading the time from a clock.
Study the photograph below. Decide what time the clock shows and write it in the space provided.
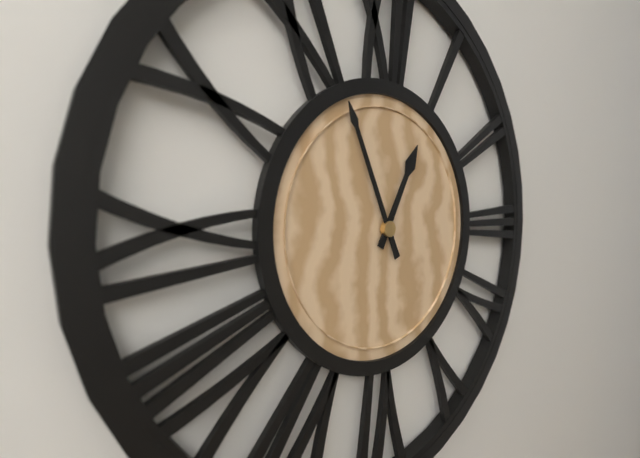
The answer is 12:56
